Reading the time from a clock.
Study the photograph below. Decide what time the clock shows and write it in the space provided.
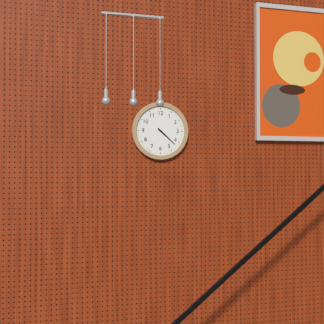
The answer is 4:22
